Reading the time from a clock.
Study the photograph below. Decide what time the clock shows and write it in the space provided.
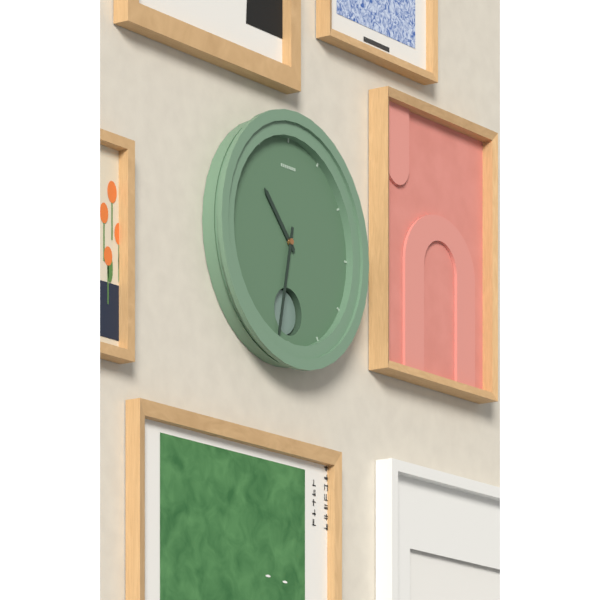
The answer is 10:32
